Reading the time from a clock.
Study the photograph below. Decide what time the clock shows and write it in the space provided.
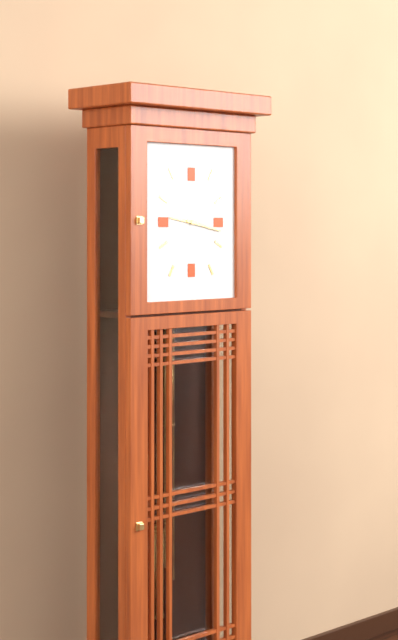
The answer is 9:17
